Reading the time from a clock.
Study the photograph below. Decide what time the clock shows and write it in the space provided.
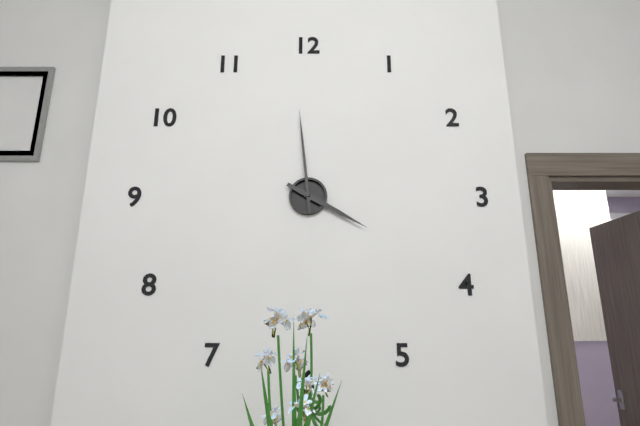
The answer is 3:59
